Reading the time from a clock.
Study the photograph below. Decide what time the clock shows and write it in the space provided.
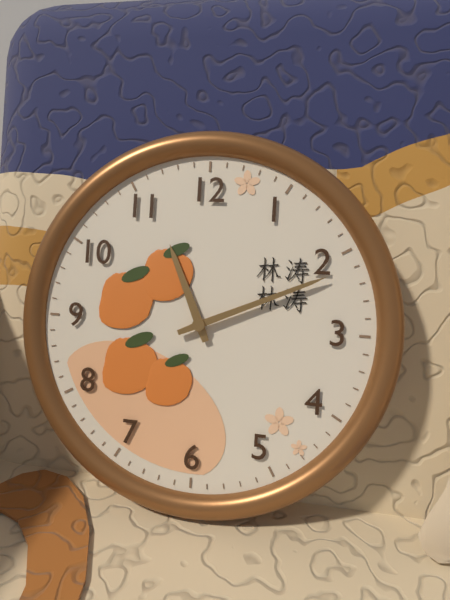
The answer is 11:11
